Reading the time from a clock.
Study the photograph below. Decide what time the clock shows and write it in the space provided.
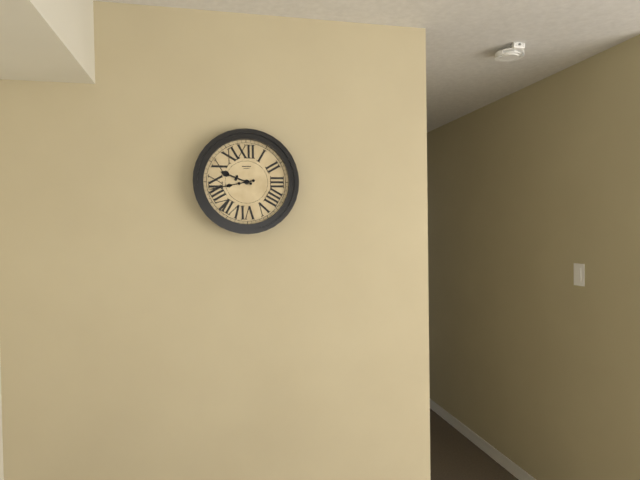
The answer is 9:43
